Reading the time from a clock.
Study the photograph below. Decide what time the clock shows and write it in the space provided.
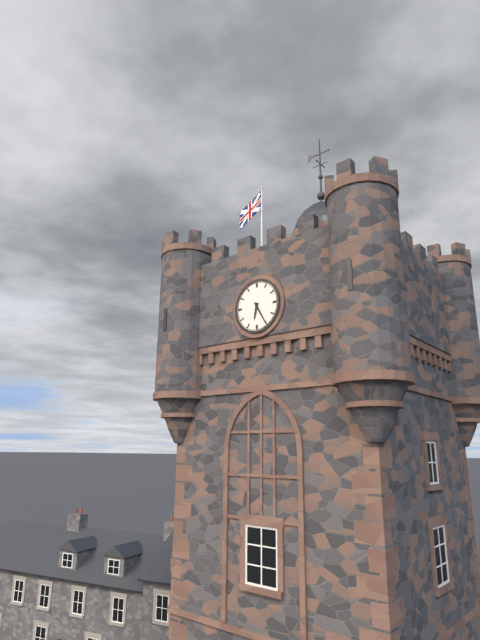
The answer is 6:25
